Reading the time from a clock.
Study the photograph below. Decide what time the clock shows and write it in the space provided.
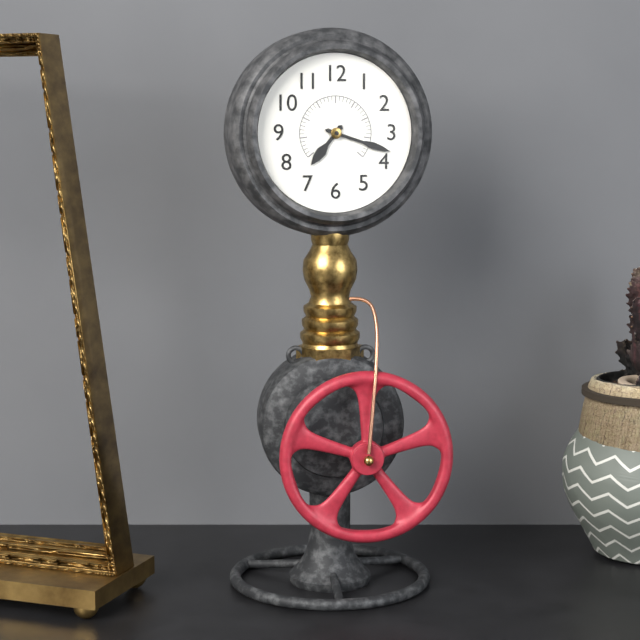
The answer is 7:18
